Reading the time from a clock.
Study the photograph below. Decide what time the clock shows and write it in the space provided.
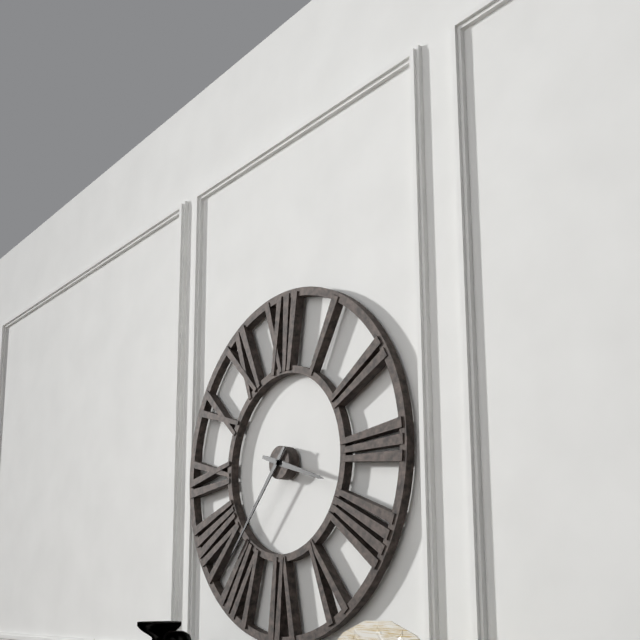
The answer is 3:37
